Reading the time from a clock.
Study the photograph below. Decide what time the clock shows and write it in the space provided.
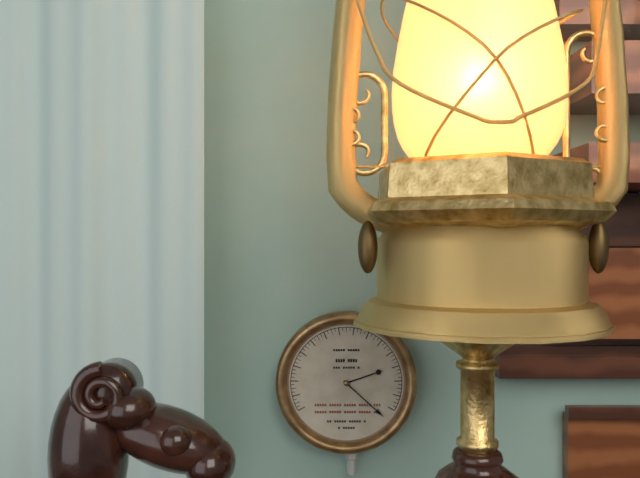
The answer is 2:22
